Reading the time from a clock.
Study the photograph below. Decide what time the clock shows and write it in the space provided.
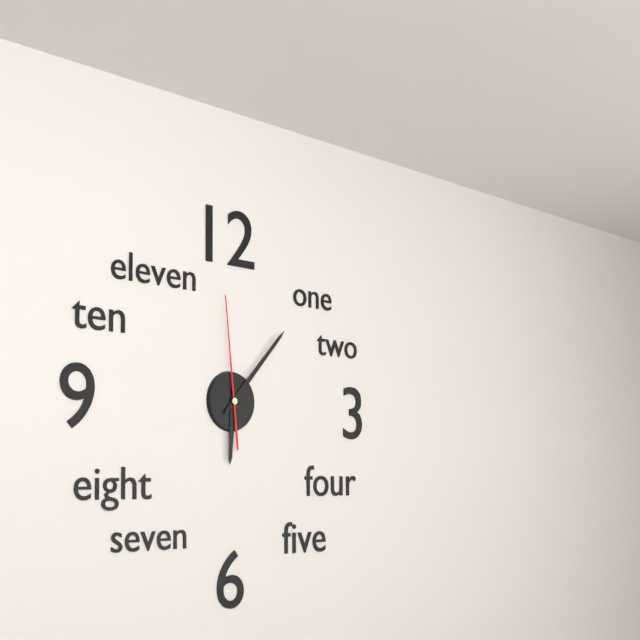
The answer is 6:07:59
